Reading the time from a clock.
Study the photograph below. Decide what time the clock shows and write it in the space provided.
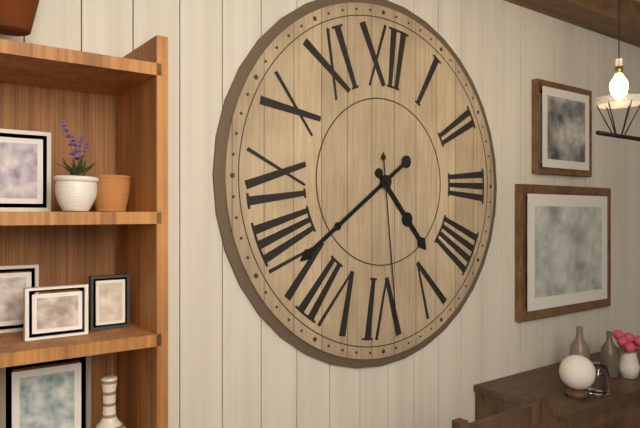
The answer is 4:39:29
